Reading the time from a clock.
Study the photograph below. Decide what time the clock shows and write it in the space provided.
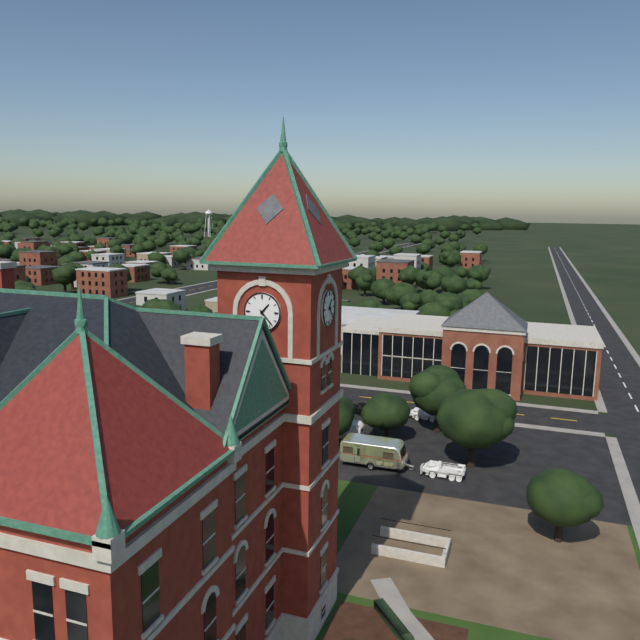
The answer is 1:23
